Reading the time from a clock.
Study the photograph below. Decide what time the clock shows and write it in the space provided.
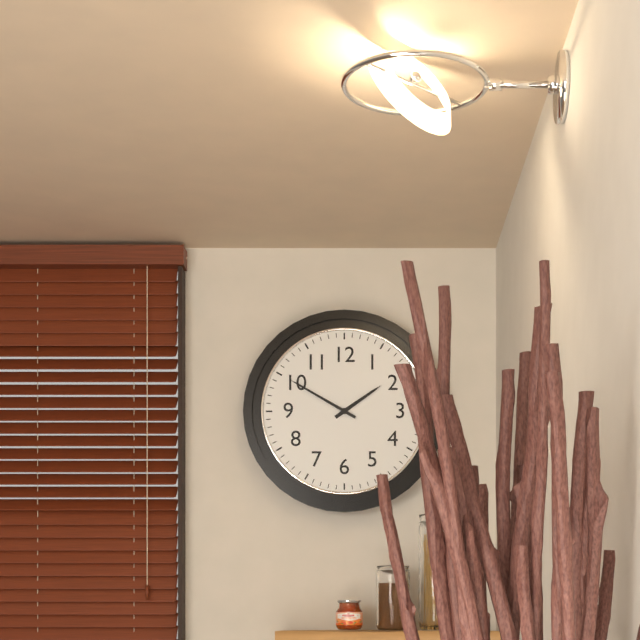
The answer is 1:50
